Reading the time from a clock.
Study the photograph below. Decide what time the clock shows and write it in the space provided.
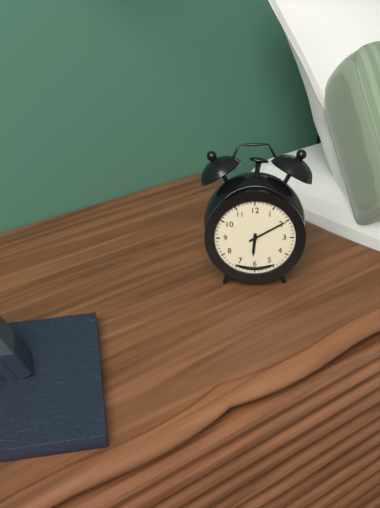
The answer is 6:10
